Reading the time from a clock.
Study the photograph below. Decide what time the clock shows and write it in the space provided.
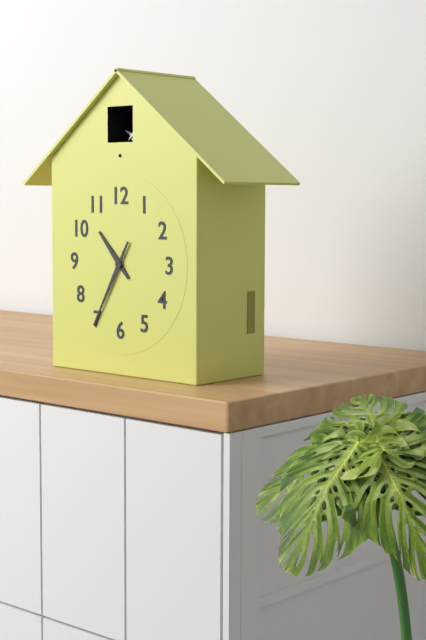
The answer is 10:35
